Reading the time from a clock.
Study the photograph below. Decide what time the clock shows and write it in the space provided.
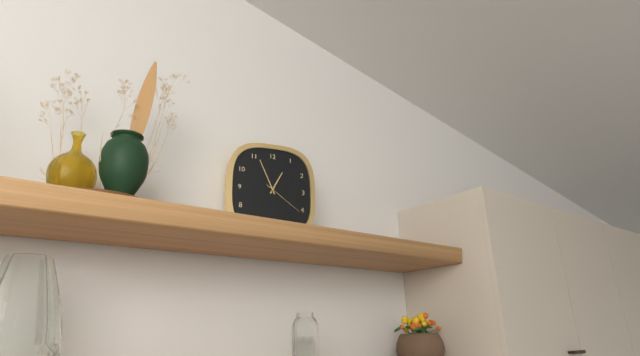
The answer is 12:56
